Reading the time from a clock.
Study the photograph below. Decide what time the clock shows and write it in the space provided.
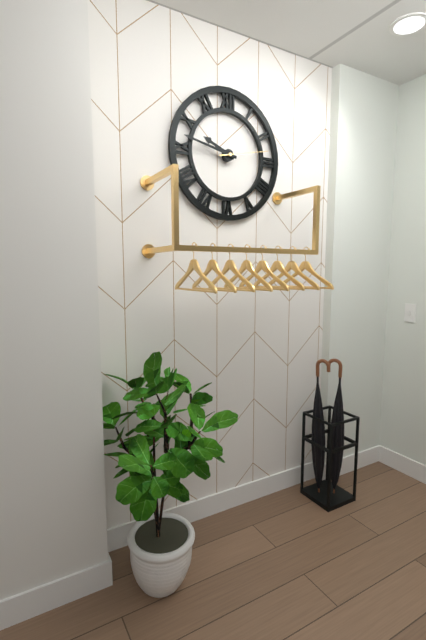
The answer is 9:47:13
